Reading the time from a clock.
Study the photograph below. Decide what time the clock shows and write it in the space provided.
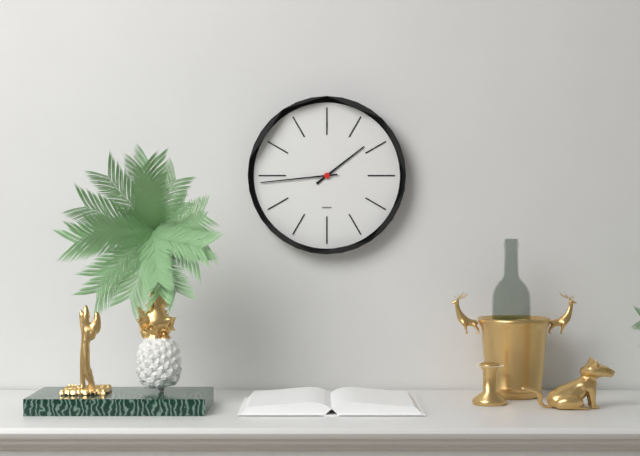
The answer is 1:44
